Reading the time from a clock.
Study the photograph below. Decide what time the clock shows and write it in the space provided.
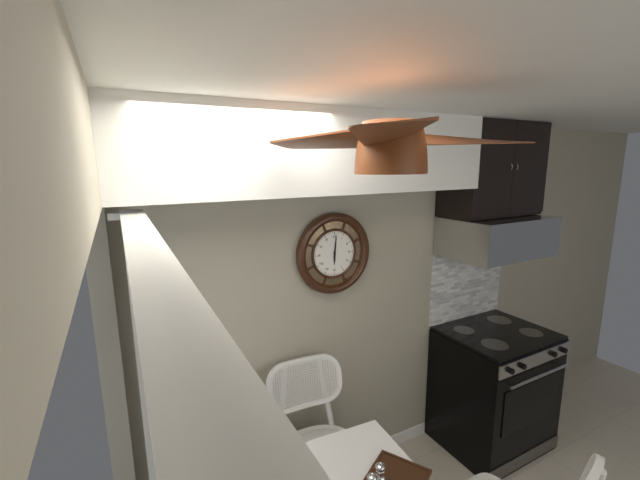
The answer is 6:01
